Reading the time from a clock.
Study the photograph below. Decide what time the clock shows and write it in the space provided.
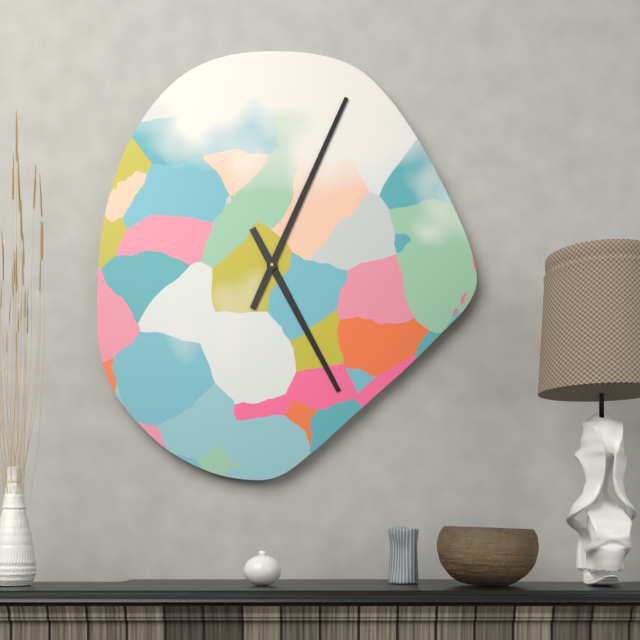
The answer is 5:04
